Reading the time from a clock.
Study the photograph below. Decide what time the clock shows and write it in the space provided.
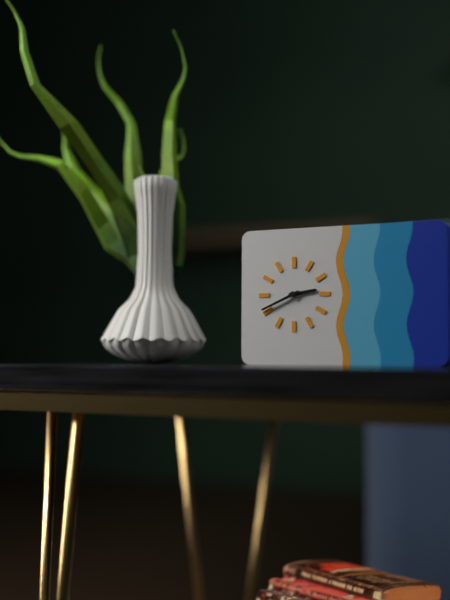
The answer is 2:41
